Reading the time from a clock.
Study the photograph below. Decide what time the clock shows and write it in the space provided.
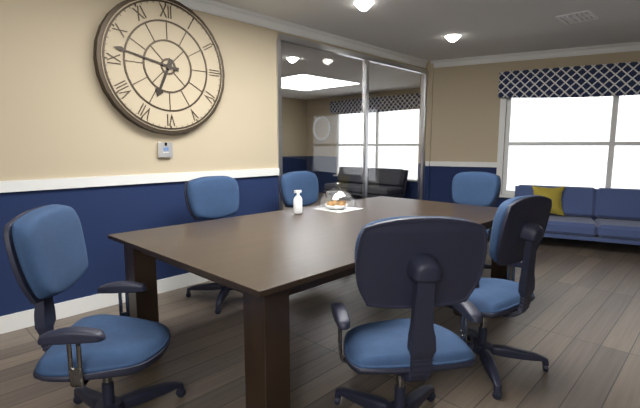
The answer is 6:47
